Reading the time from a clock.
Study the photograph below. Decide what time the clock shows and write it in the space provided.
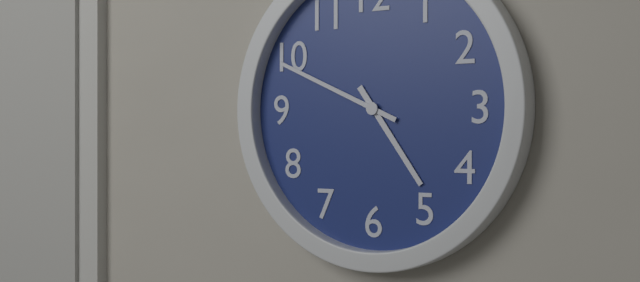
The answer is 4:49
